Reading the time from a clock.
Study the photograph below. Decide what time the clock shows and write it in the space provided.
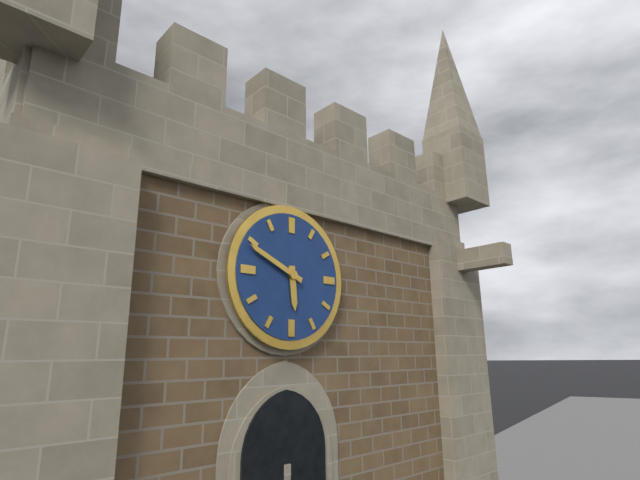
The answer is 5:49
